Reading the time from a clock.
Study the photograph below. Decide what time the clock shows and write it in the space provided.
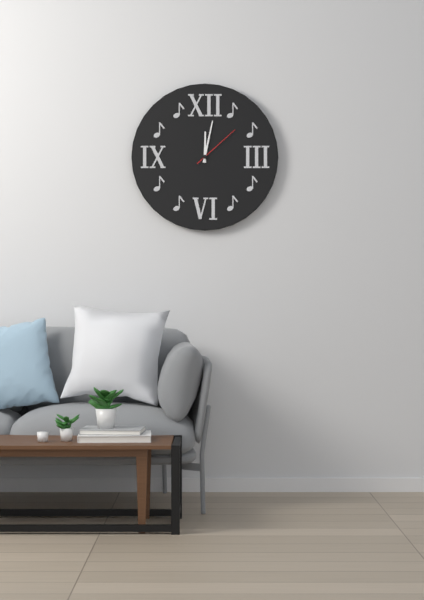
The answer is 12:02:08
